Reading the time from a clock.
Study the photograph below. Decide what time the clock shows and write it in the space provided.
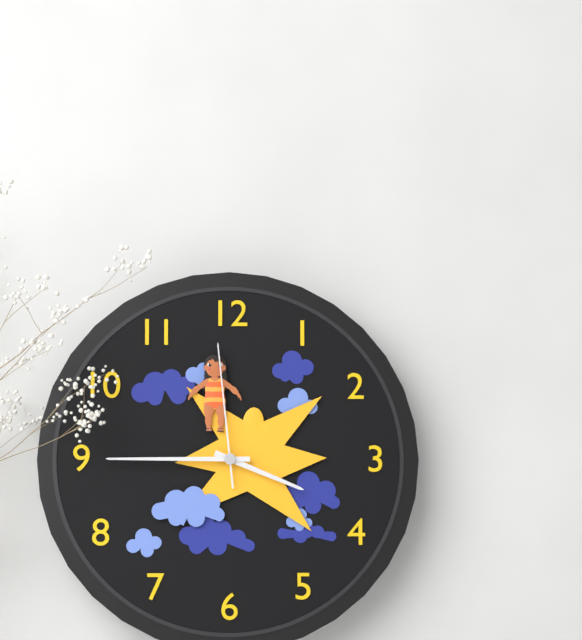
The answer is 3:45:59
